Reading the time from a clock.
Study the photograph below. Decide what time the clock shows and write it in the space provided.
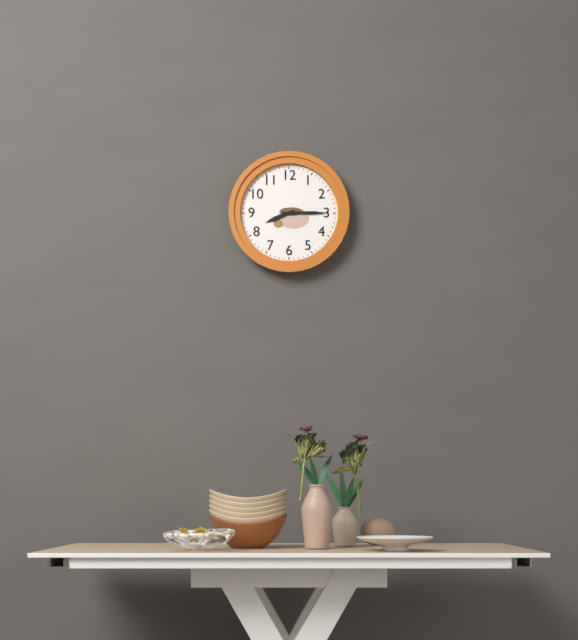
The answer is 8:15
